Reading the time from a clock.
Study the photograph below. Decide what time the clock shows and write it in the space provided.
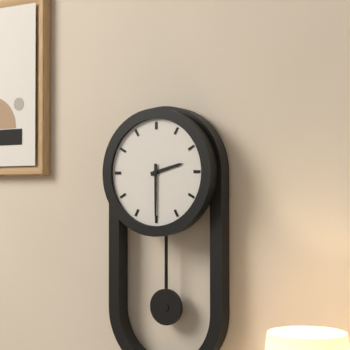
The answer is 2:30
